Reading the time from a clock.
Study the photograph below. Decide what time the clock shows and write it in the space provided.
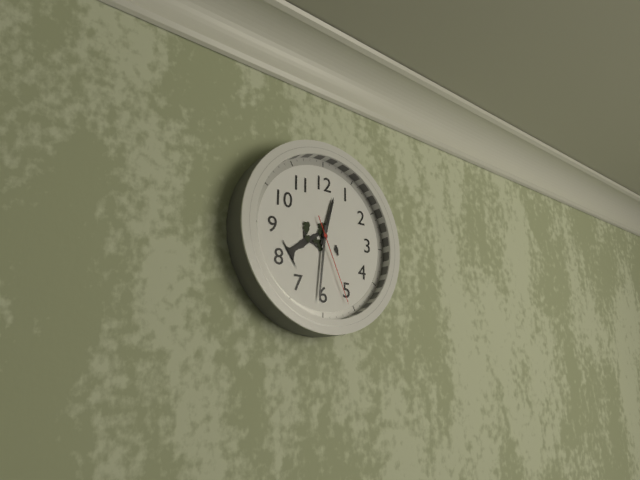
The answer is 12:31:26
